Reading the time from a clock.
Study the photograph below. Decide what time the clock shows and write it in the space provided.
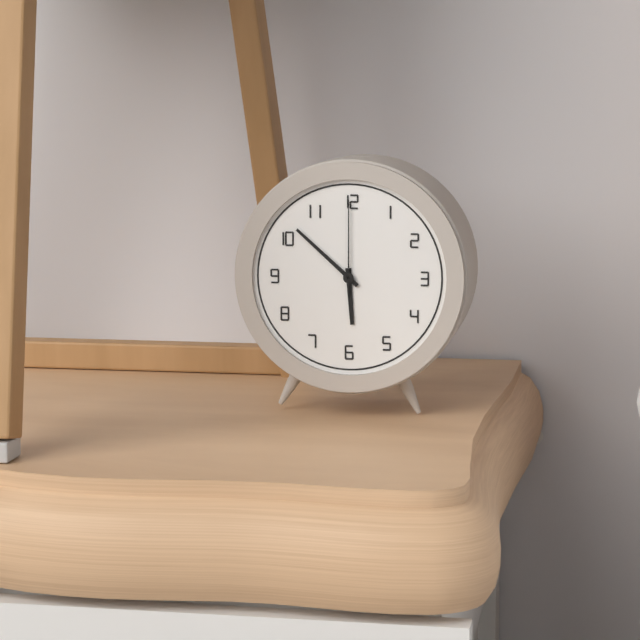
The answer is 5:52:00
